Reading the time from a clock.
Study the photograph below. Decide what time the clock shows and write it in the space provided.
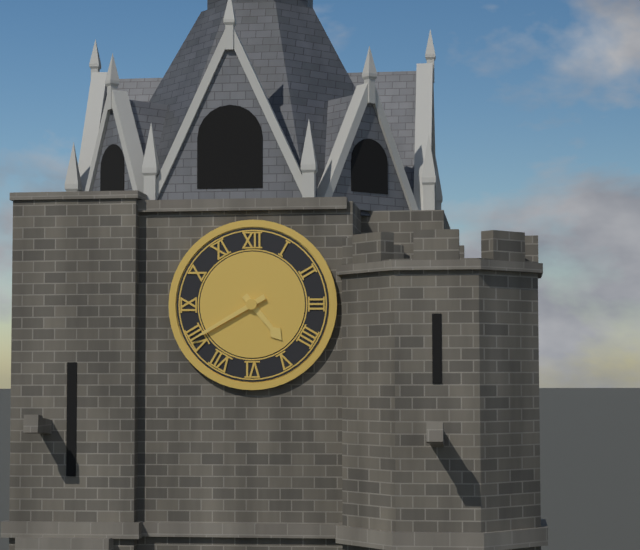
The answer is 4:40
